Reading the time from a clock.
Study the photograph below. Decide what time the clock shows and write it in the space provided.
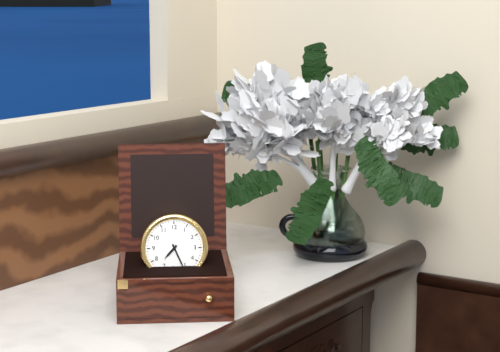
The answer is 7:26
